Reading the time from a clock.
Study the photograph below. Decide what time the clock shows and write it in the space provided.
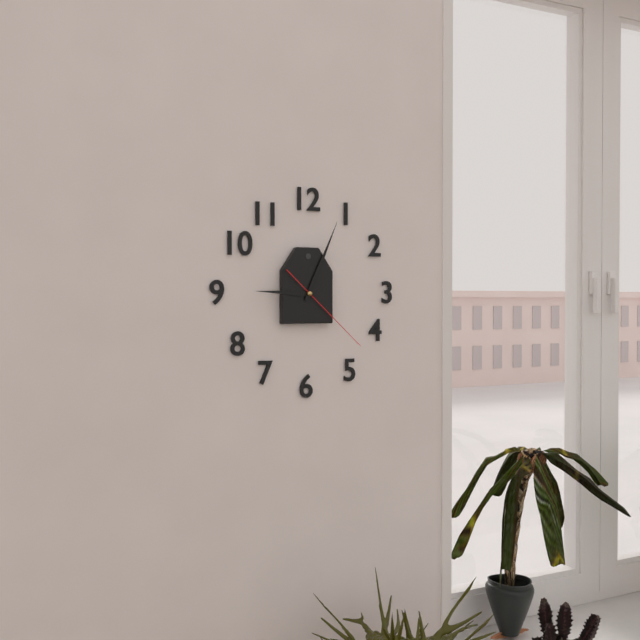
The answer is 9:04:22
